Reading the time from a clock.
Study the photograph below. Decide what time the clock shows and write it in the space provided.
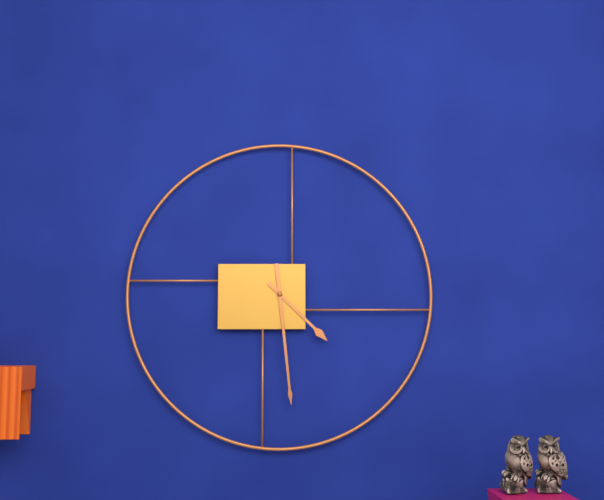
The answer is 4:29
